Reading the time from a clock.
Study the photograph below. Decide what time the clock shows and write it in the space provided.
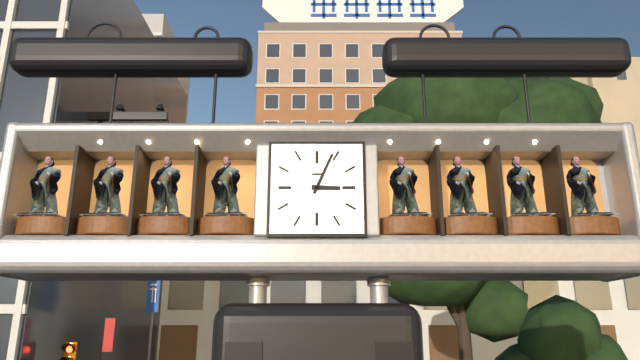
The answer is 3:04
